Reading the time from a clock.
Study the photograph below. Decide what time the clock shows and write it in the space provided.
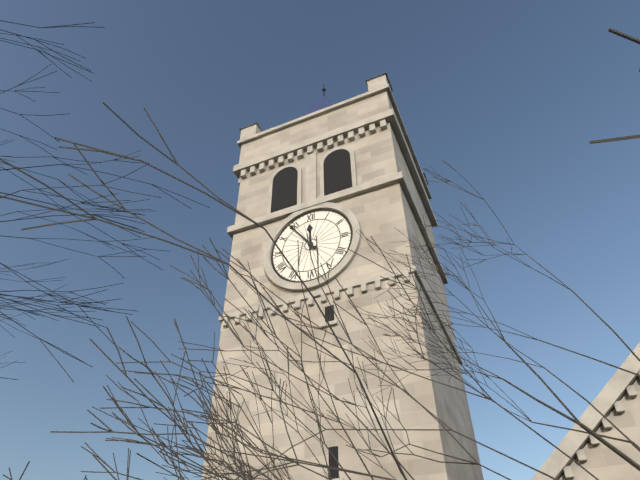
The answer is 11:54
